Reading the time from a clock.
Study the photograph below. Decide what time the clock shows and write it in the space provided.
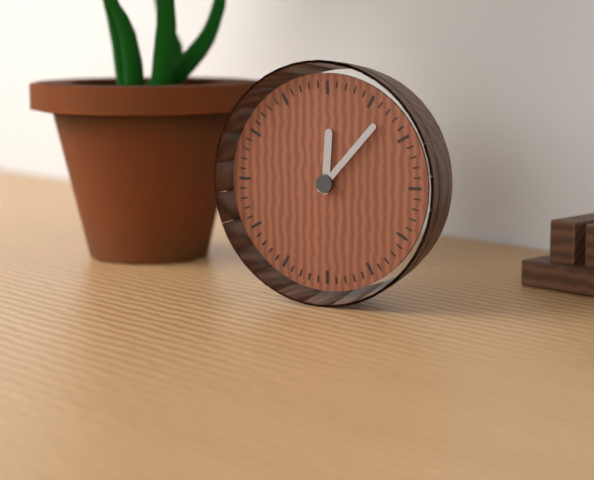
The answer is 12:07
